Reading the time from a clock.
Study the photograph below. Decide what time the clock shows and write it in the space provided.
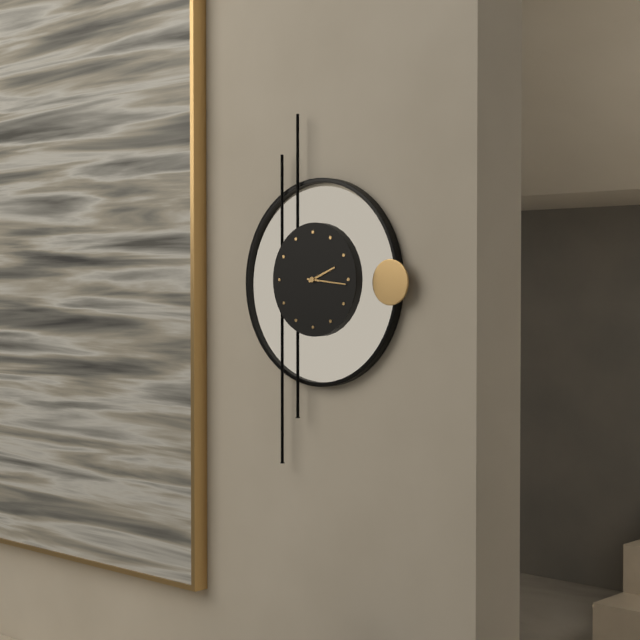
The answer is 2:16
